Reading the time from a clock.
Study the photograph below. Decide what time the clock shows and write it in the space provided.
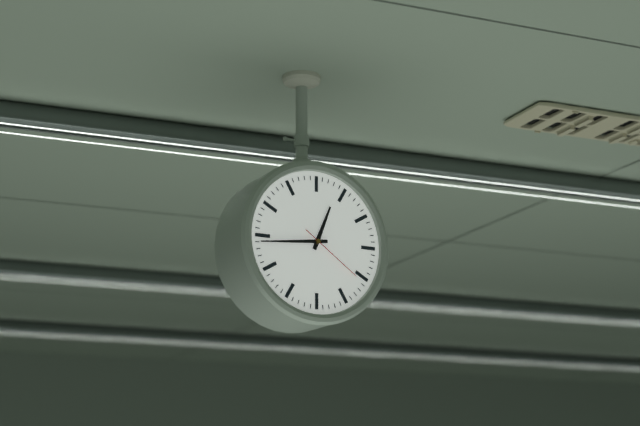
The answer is 12:44:21
